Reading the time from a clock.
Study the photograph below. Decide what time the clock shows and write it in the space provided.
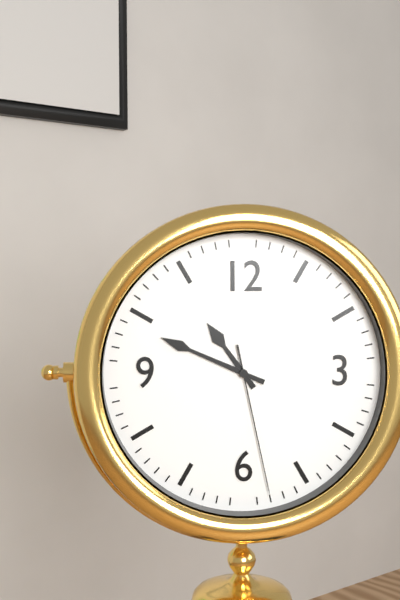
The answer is 10:49:28
